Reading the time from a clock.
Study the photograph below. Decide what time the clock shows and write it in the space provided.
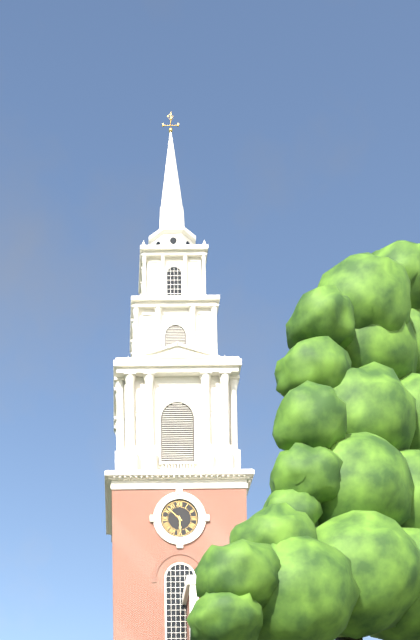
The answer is 5:52
